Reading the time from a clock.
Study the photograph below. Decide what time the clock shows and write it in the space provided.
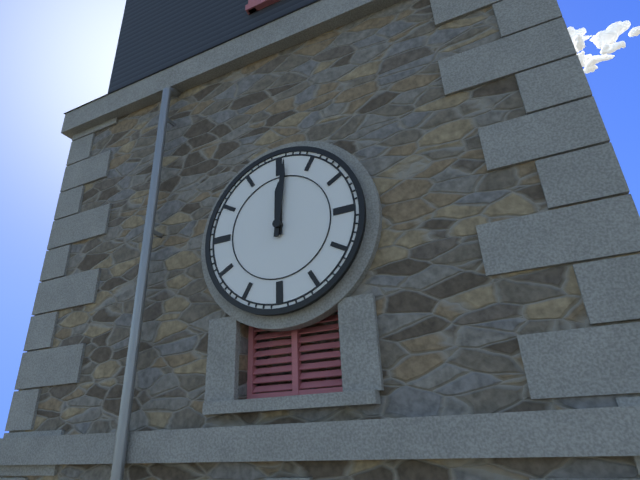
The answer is 12:01
